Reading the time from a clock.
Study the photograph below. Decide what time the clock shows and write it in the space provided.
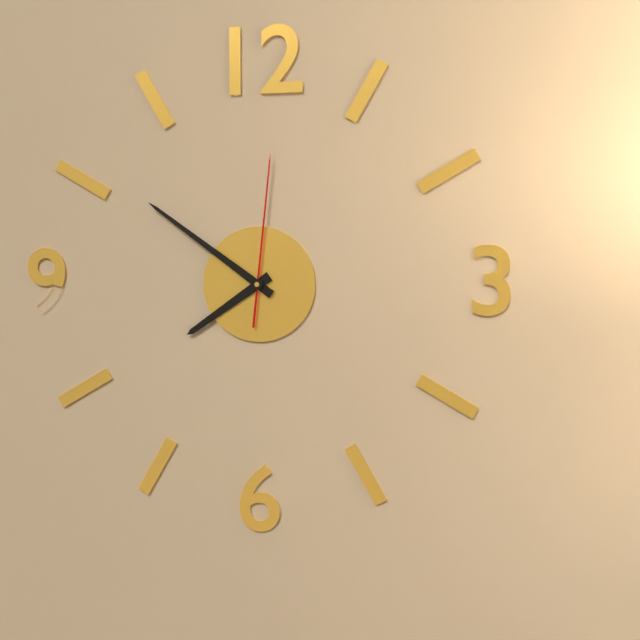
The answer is 7:51:01
